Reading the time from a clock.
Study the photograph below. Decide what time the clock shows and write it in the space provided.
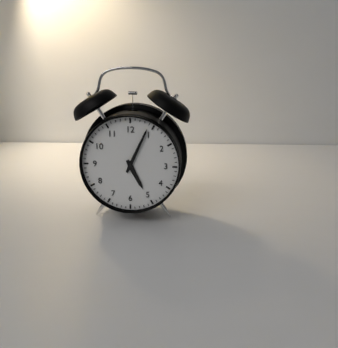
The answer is 5:04
